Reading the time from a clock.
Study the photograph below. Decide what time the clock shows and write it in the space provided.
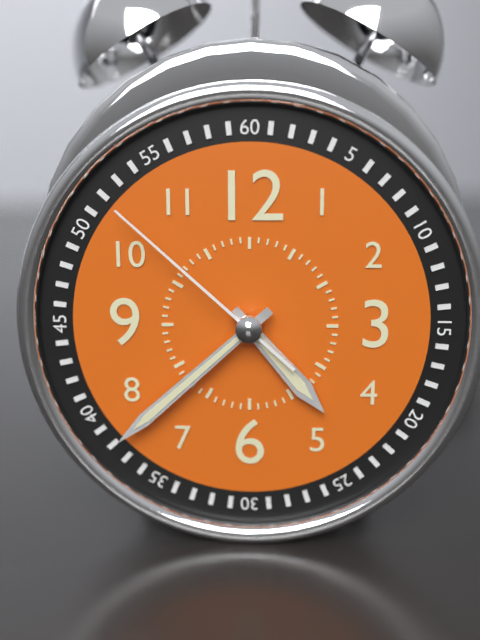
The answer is 4:38:52
